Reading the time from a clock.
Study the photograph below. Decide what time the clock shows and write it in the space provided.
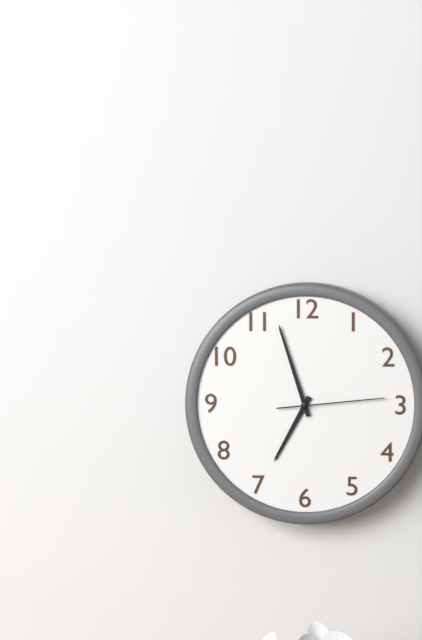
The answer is 6:57:14
